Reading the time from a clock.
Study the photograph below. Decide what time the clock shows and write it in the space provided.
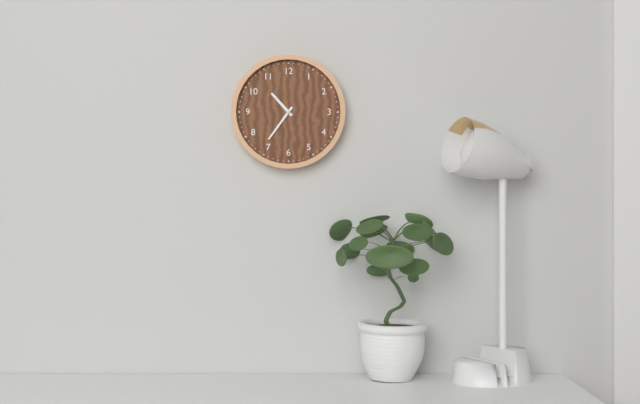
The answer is 10:36
